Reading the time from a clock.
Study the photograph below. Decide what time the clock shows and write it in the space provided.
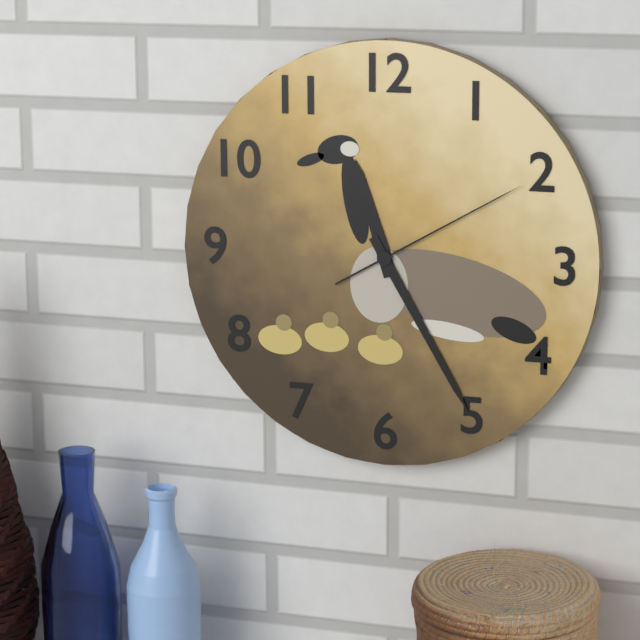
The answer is 11:25:10
